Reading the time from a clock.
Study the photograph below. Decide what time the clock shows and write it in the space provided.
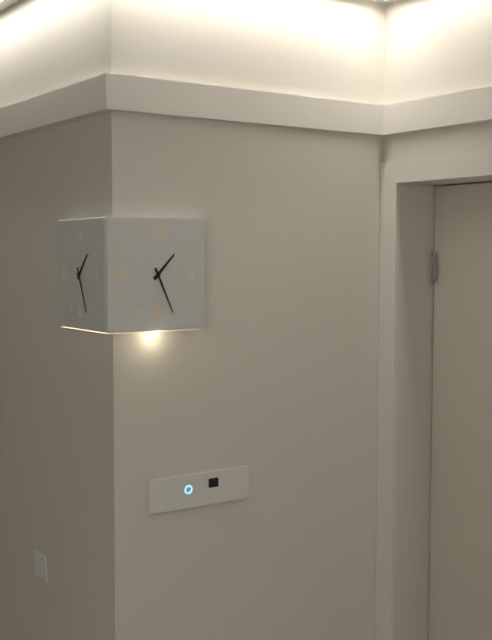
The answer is 1:26
